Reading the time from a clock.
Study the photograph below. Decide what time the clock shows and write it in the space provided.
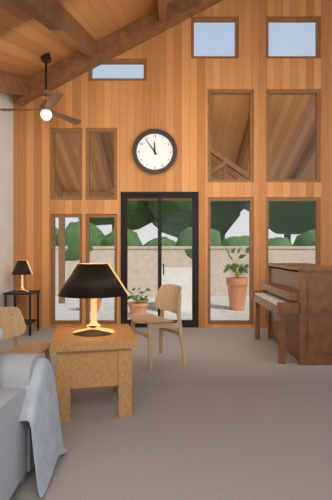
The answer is 11:54
